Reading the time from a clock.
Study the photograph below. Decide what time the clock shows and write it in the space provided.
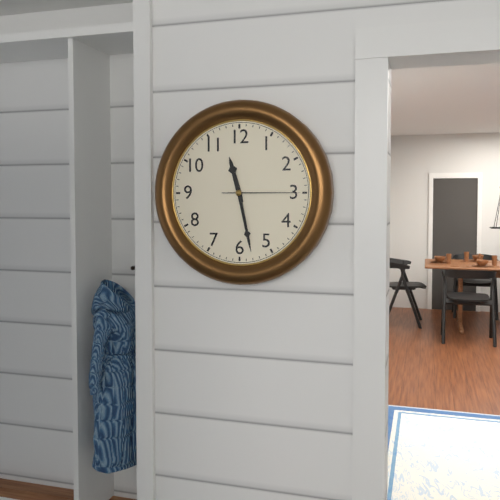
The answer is 11:28:15
